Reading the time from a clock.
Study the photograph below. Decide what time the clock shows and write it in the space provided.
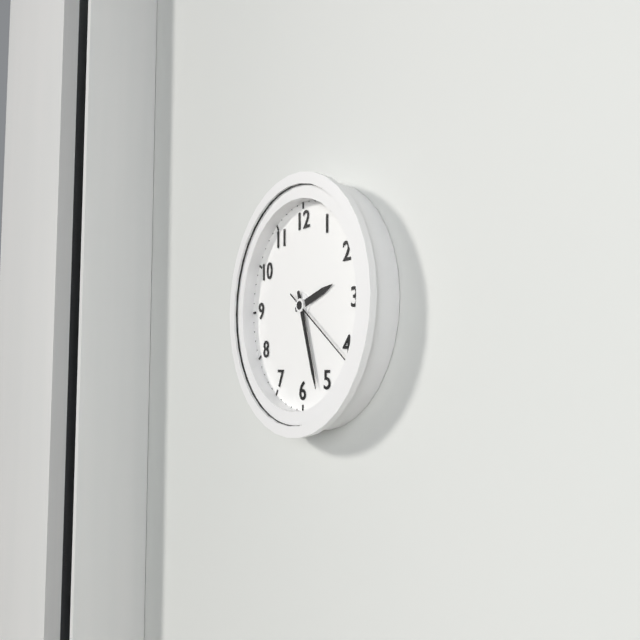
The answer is 2:27:21
